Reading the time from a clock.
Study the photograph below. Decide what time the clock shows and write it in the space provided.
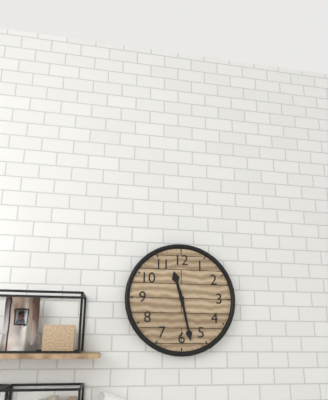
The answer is 11:28
